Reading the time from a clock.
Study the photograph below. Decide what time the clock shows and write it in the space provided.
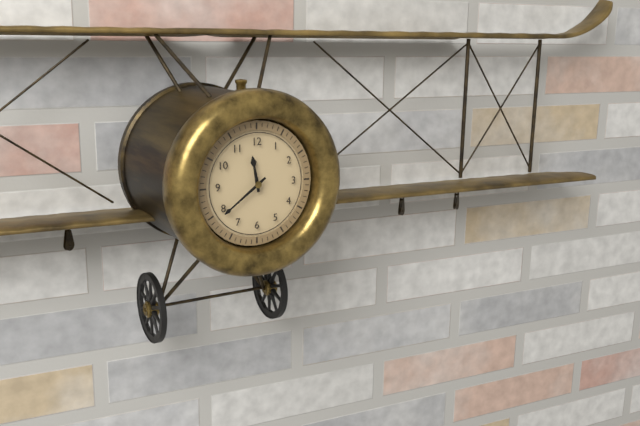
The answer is 11:39
